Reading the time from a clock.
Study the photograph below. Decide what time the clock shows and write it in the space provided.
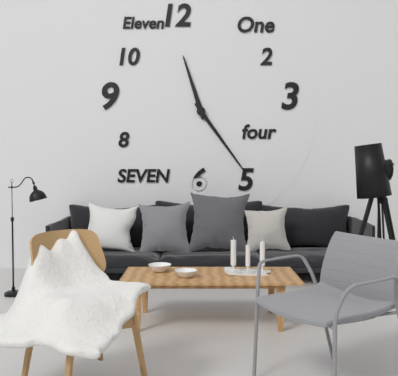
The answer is 11:24
